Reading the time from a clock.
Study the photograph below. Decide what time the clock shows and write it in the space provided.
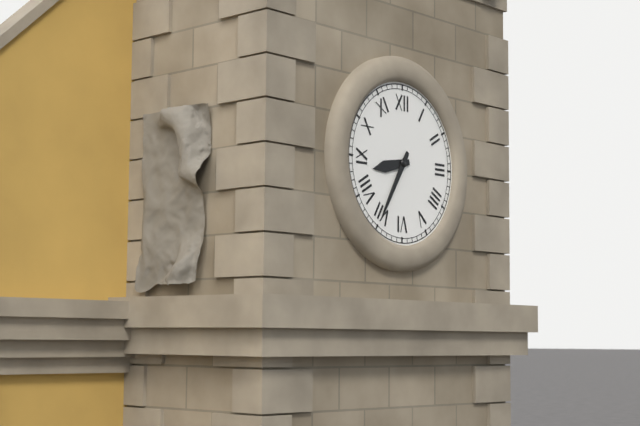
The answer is 8:35
